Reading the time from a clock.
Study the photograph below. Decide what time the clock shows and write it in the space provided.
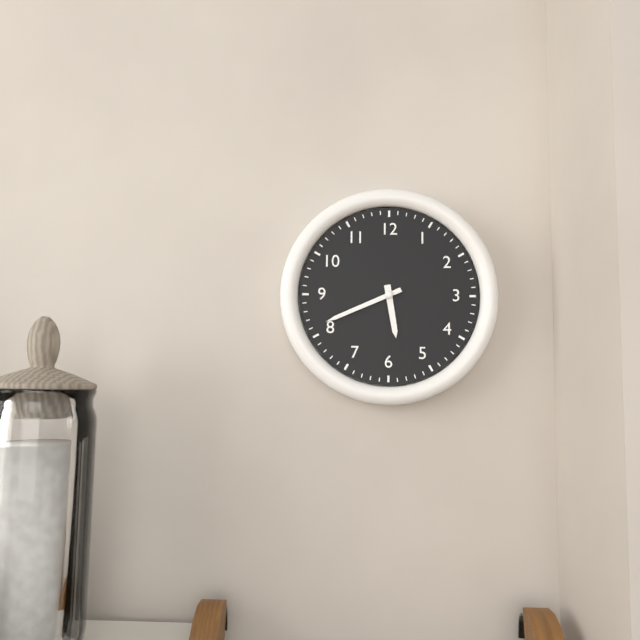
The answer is 5:41
